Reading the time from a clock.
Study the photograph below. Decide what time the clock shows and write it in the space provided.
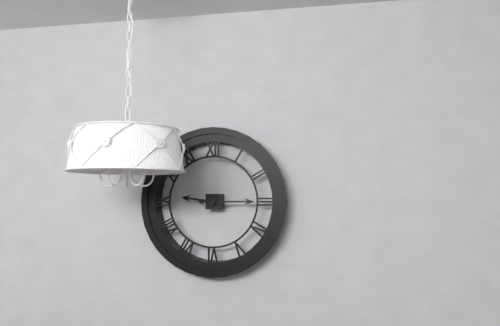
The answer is 9:15
